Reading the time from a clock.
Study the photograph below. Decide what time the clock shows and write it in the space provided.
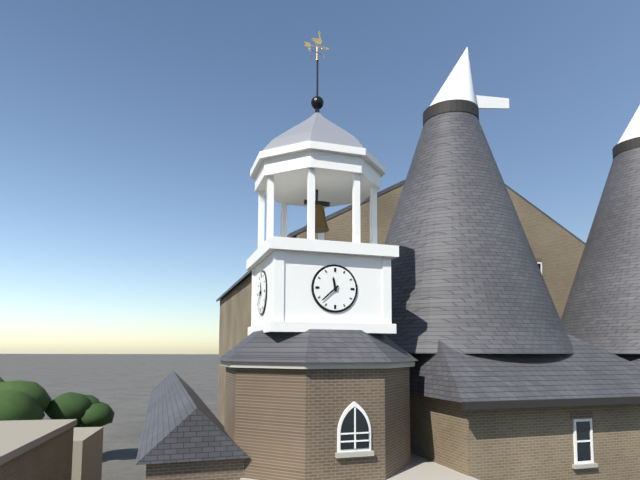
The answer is 11:38
